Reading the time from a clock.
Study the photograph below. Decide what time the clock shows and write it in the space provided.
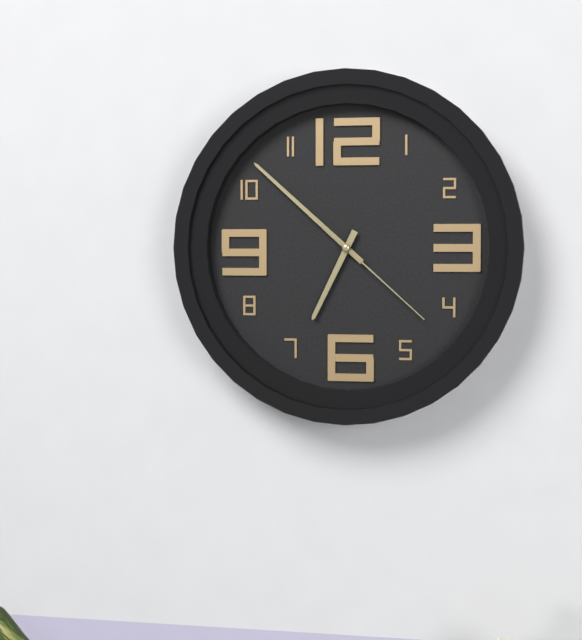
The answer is 6:52:22
